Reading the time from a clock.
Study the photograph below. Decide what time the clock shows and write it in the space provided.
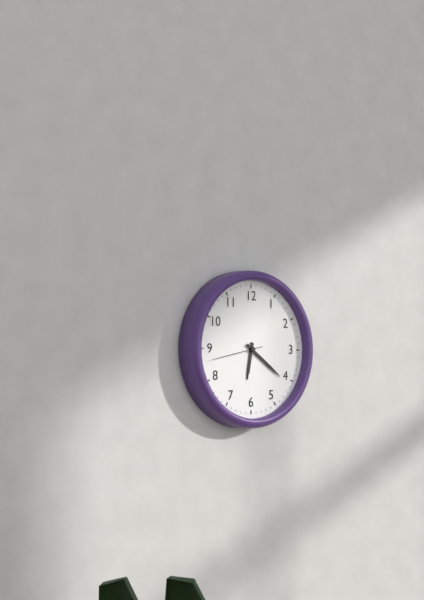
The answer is 6:21
